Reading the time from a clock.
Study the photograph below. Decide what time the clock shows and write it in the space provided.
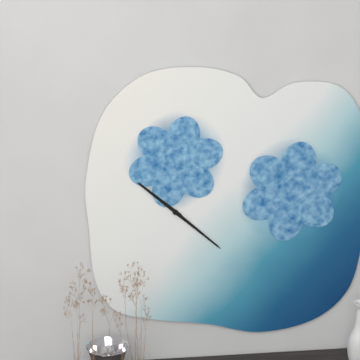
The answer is 10:22
